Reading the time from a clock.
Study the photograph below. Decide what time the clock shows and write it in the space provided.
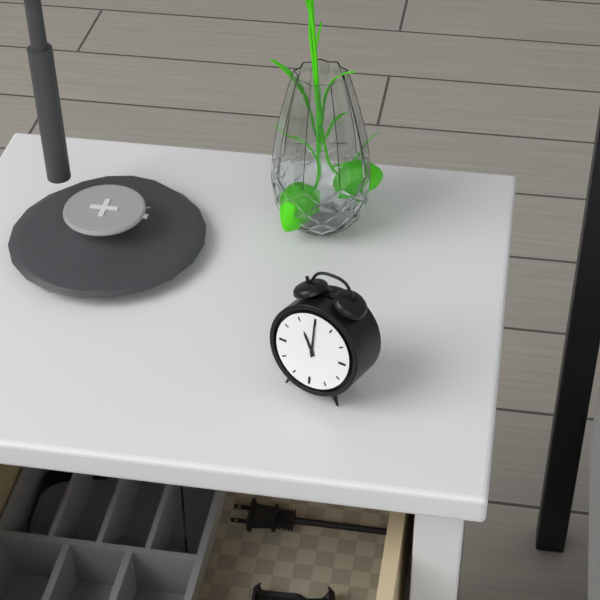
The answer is 11:00
